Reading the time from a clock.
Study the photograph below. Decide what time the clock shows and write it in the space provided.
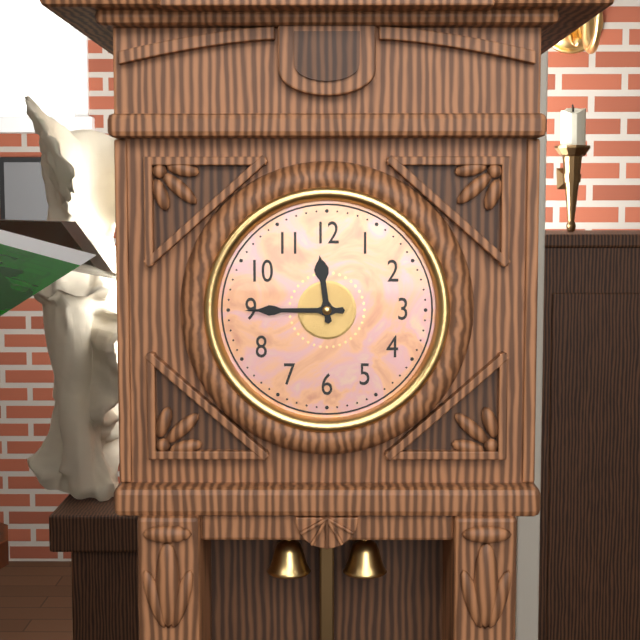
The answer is 11:45
